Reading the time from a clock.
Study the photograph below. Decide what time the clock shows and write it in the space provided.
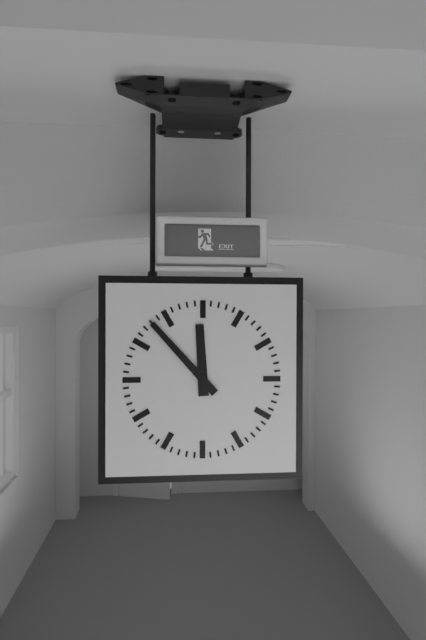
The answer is 11:53
